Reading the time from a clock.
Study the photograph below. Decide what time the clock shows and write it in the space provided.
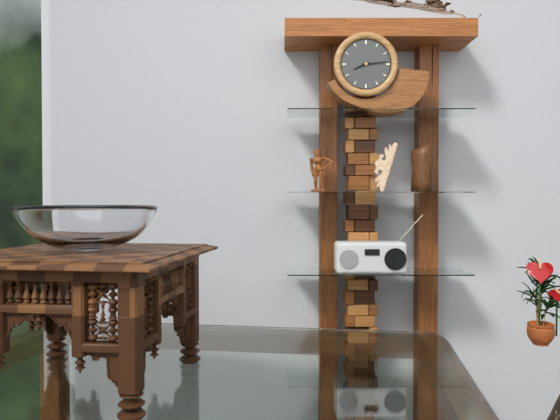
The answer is 8:14
